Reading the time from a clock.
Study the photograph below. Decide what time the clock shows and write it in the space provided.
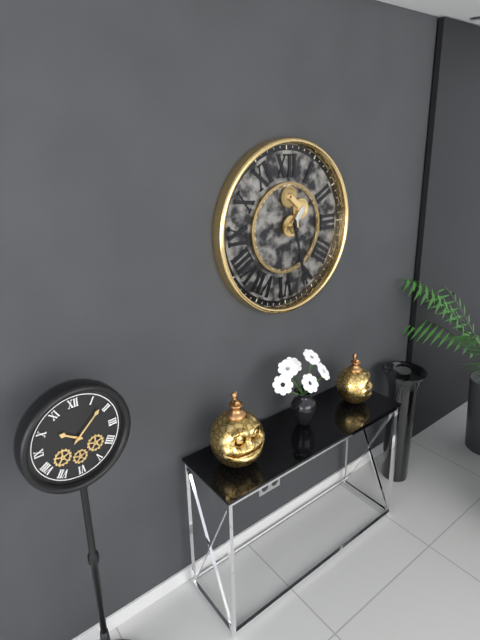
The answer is 5:28
